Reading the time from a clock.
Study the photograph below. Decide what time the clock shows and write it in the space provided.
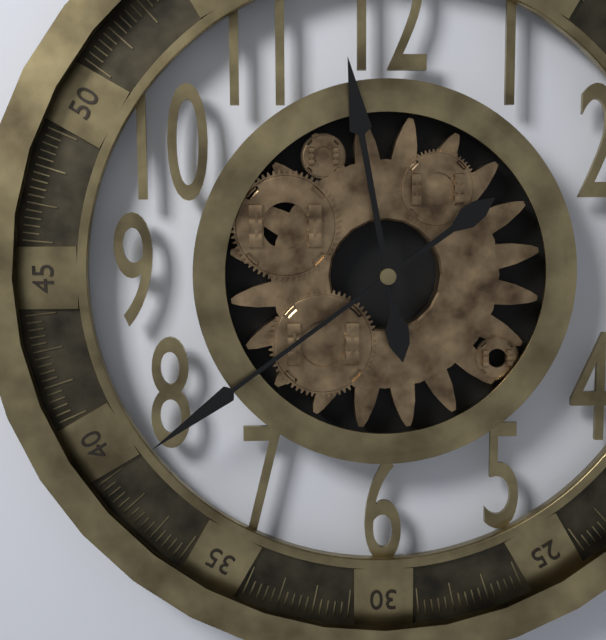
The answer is 11:39
